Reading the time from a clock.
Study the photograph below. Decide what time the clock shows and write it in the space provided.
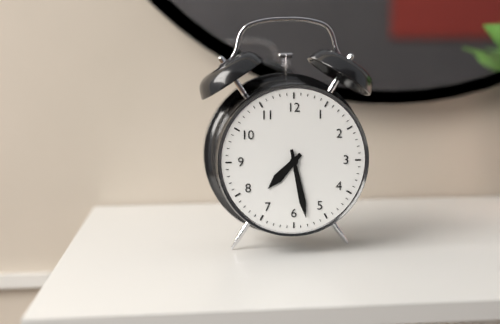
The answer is 7:28
